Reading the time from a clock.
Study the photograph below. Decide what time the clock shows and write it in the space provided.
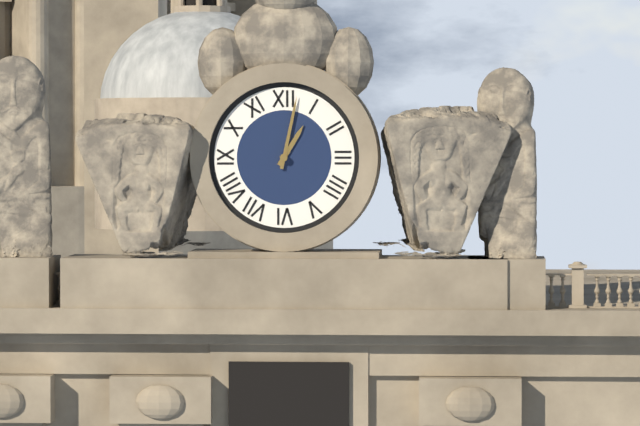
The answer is 1:02
